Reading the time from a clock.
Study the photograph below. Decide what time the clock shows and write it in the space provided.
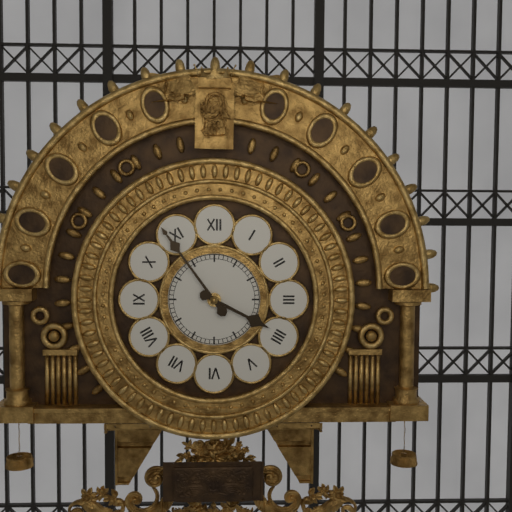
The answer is 3:54
